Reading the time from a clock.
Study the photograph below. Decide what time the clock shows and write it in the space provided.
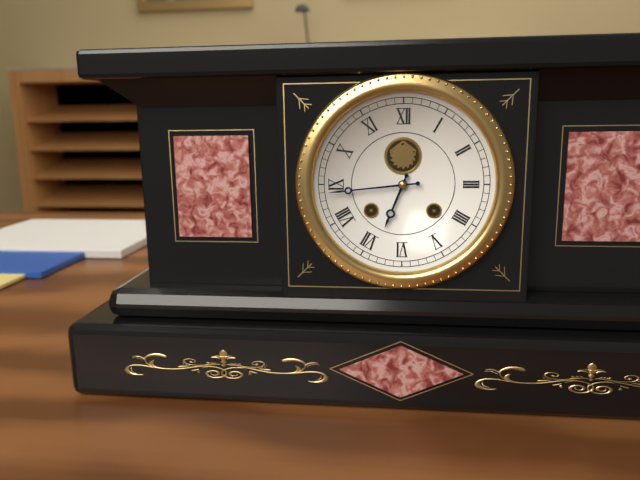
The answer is 6:44
